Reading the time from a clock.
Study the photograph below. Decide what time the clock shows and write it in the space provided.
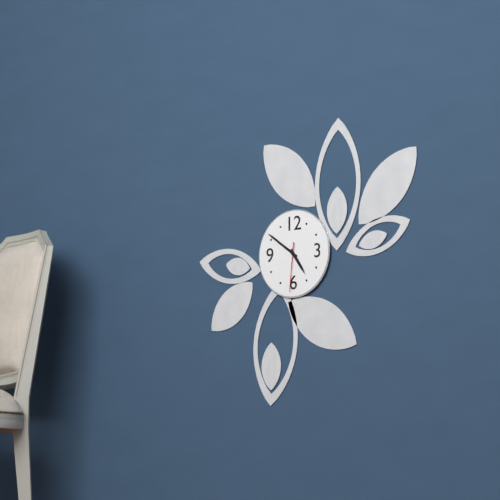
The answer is 4:51
